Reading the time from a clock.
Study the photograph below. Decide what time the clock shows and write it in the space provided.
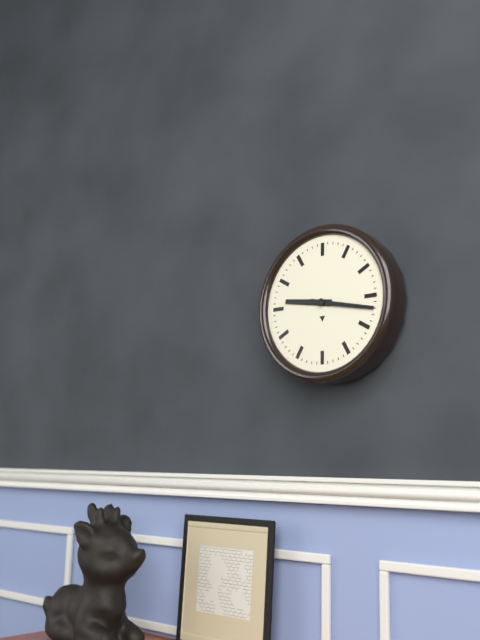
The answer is 9:17
